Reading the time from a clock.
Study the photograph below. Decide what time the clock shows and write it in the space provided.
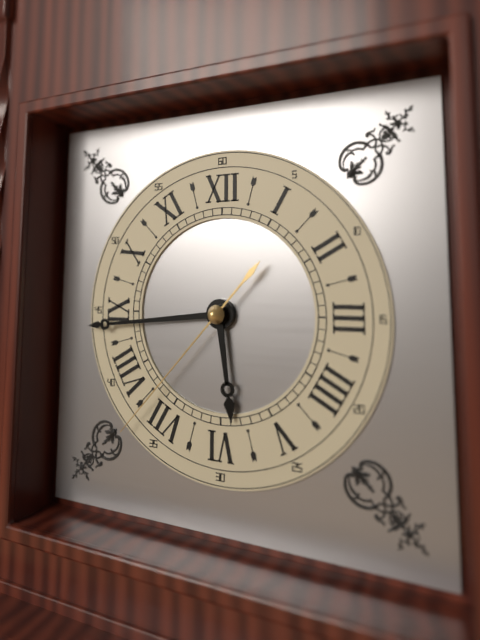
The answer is 5:44:37
